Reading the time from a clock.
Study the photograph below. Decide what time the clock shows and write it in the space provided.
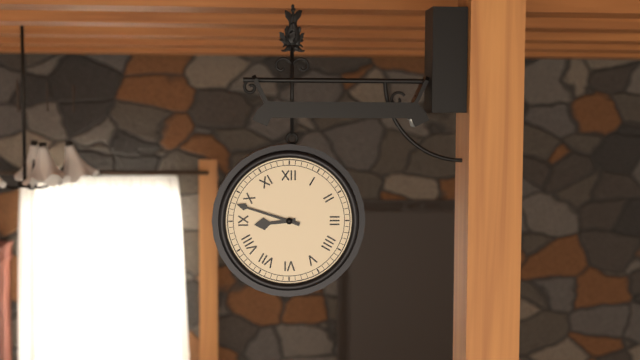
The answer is 8:48
